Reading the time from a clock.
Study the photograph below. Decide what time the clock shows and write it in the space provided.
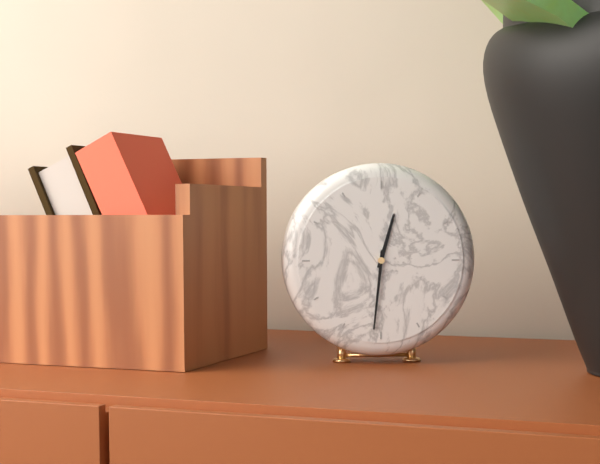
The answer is 12:31
